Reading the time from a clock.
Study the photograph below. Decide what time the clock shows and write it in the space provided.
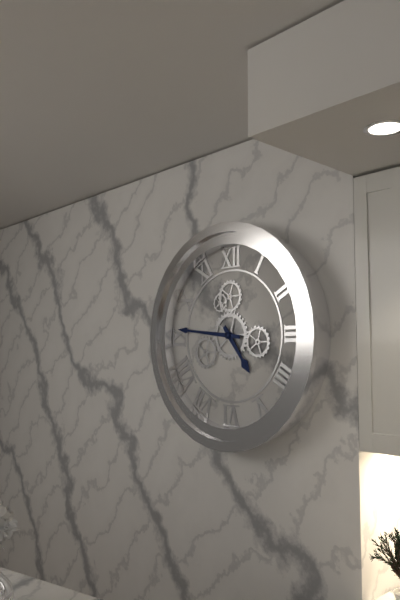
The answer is 4:46
